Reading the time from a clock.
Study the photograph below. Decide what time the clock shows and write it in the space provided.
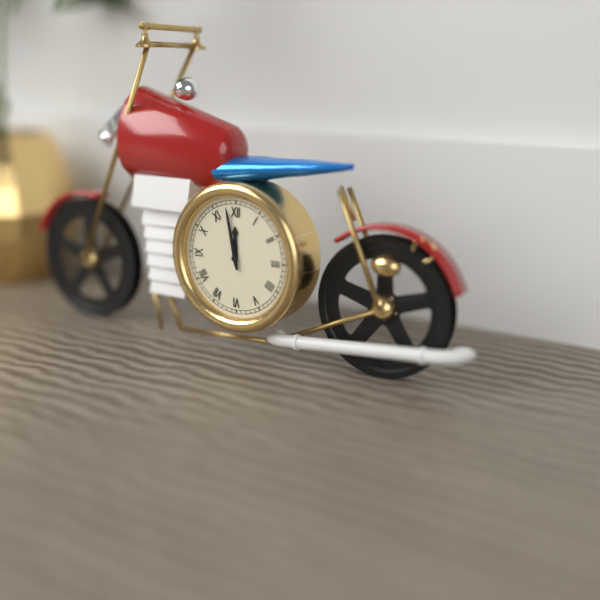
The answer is 11:58
